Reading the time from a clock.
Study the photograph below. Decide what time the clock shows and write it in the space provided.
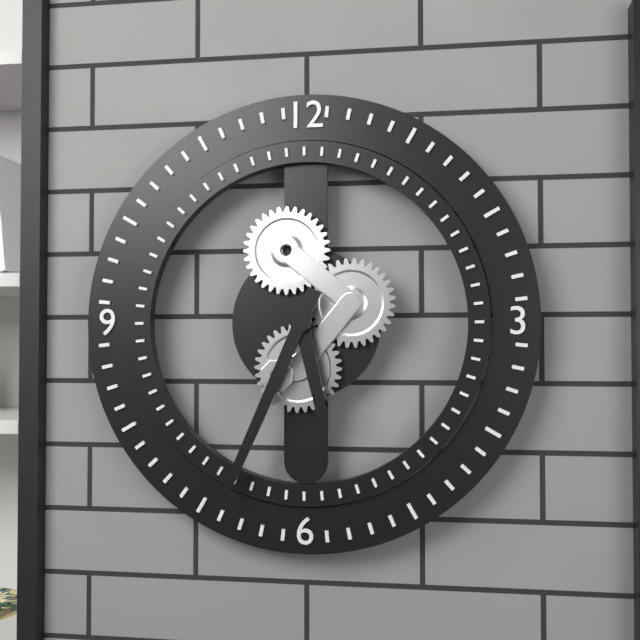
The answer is 5:34
